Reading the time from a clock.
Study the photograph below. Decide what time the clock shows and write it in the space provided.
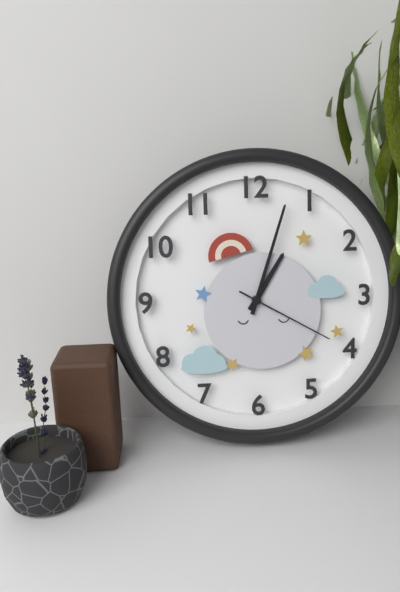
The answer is 1:03:20
